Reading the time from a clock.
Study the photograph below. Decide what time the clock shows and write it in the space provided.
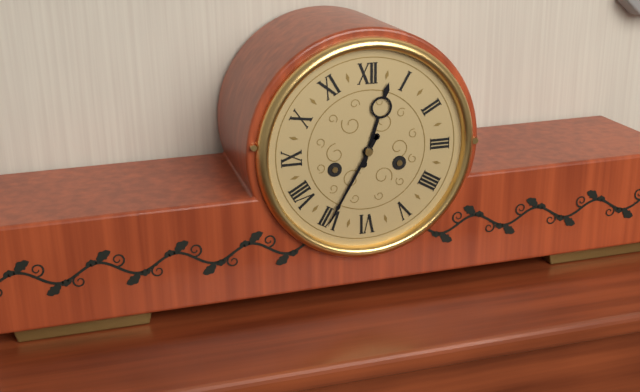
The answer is 12:35
